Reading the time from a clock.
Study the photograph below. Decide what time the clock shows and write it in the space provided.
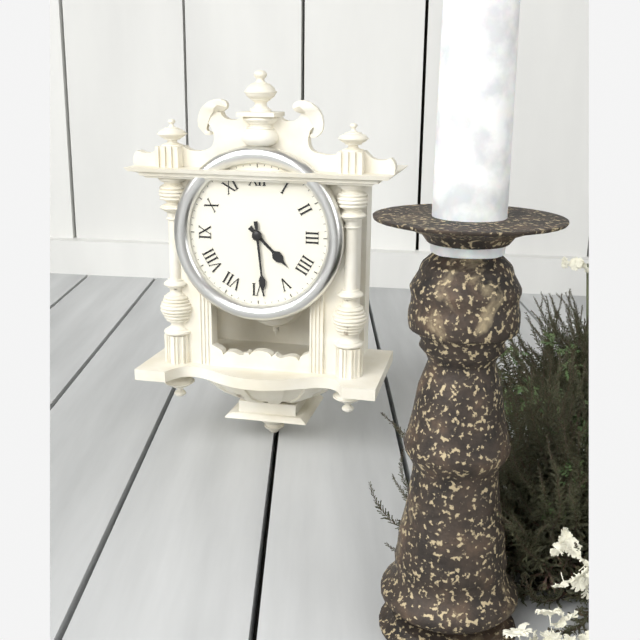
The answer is 4:29
